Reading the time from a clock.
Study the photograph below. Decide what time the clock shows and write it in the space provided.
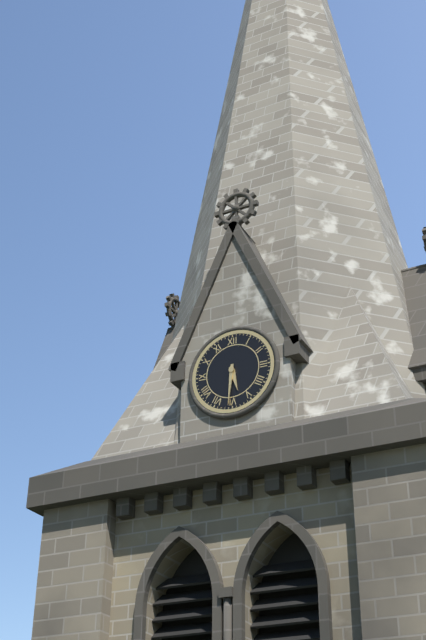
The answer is 5:31
